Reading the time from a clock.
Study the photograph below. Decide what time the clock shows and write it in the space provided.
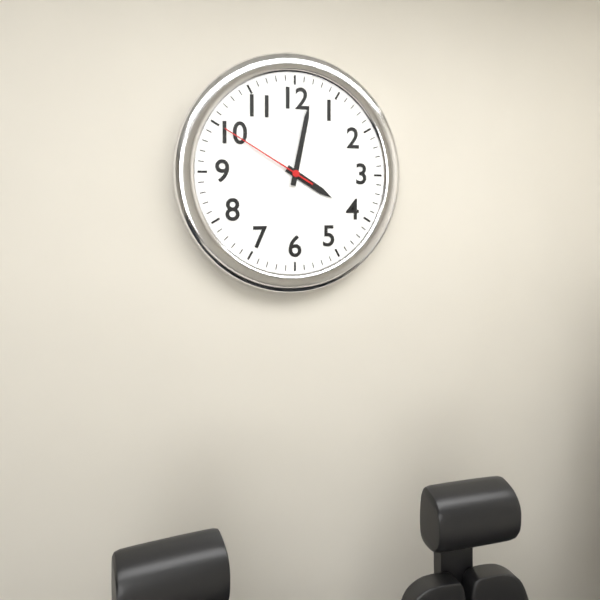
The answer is 4:02:50
